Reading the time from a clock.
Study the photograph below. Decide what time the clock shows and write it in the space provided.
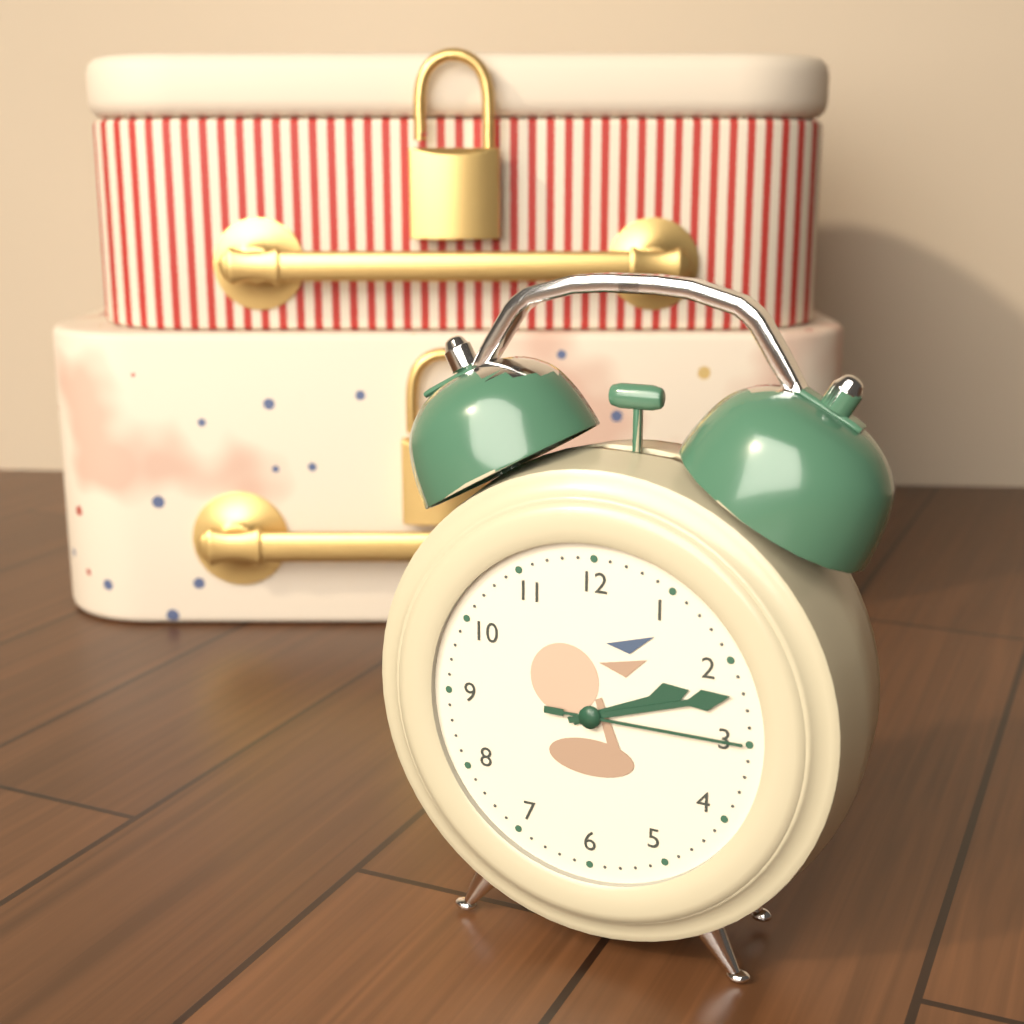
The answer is 2:12:15
